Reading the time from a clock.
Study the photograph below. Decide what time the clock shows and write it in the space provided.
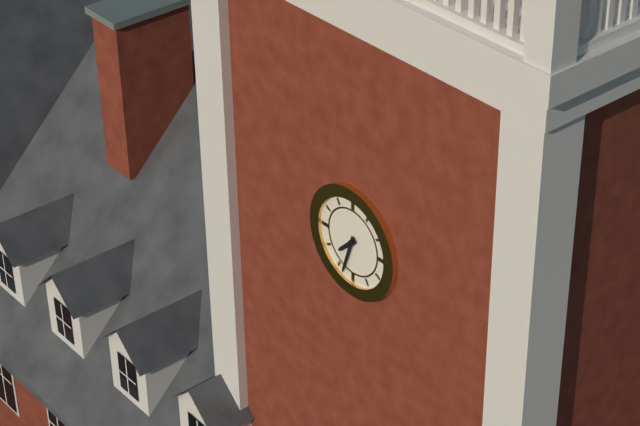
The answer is 7:33
